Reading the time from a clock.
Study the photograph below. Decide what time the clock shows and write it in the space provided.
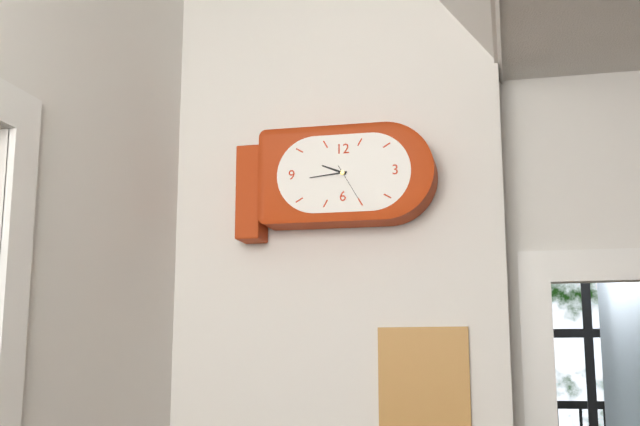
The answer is 9:44
